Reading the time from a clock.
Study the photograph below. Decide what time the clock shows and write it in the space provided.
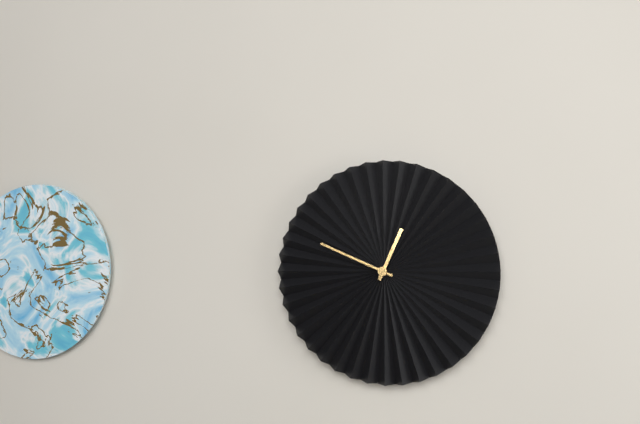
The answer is 12:49
